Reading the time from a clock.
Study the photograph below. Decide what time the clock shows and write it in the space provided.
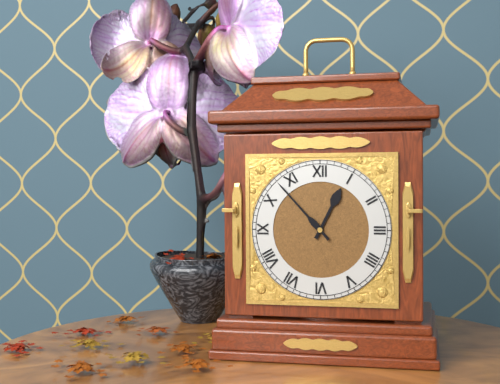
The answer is 12:53
